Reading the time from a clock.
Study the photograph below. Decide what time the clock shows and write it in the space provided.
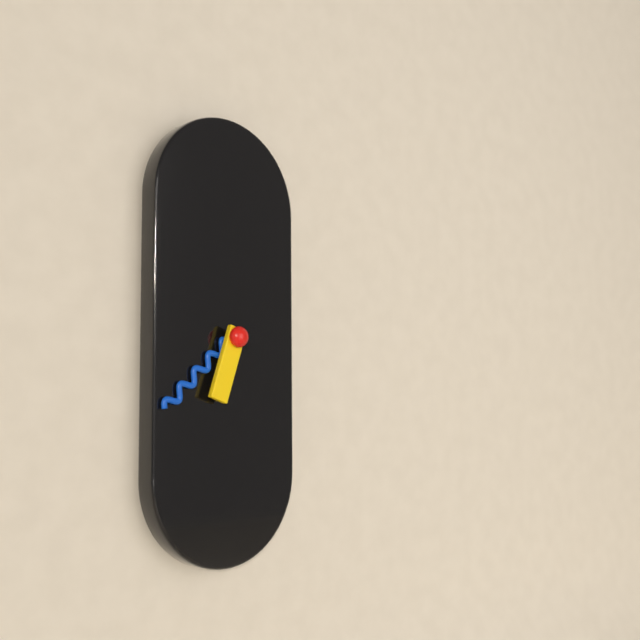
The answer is 6:38
